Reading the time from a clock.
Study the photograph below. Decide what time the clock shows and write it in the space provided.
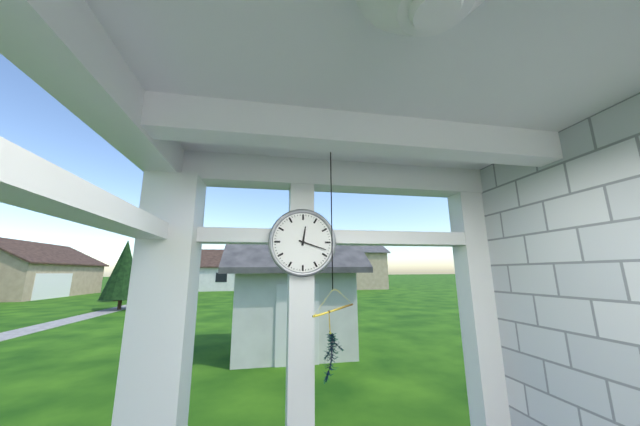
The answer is 12:18
